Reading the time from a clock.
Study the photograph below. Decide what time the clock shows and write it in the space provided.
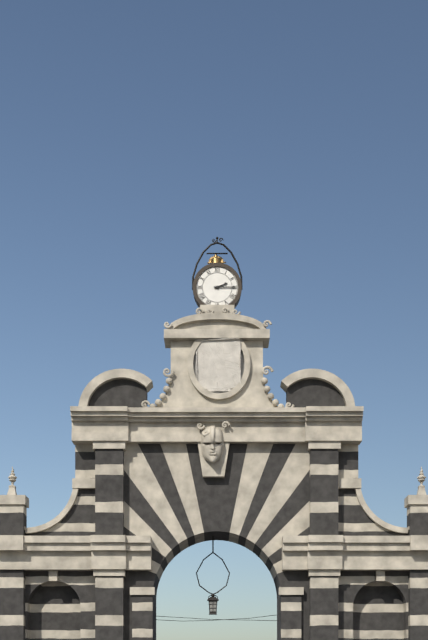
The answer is 2:15
